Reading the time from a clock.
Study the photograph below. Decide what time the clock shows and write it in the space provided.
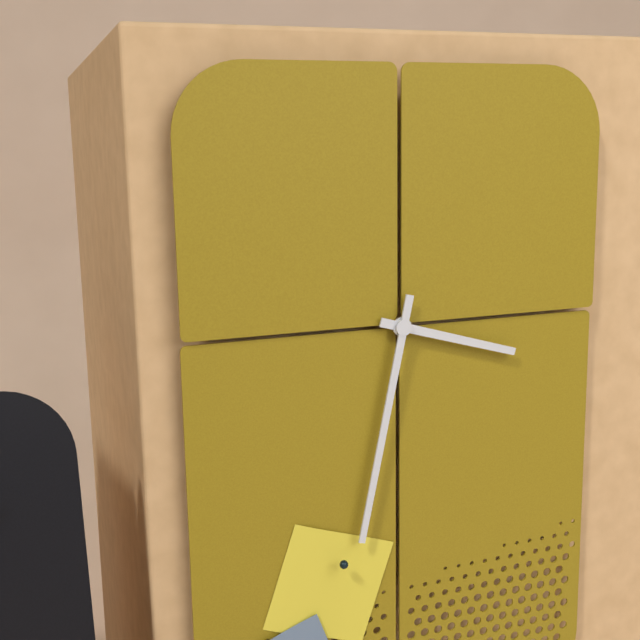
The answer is 3:32
